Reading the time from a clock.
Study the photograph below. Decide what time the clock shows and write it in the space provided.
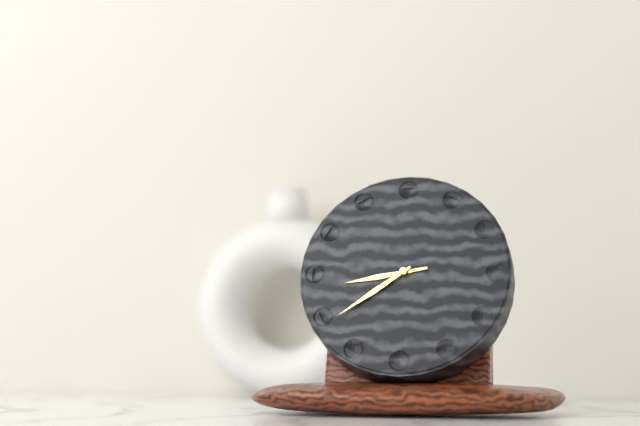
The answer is 8:39
